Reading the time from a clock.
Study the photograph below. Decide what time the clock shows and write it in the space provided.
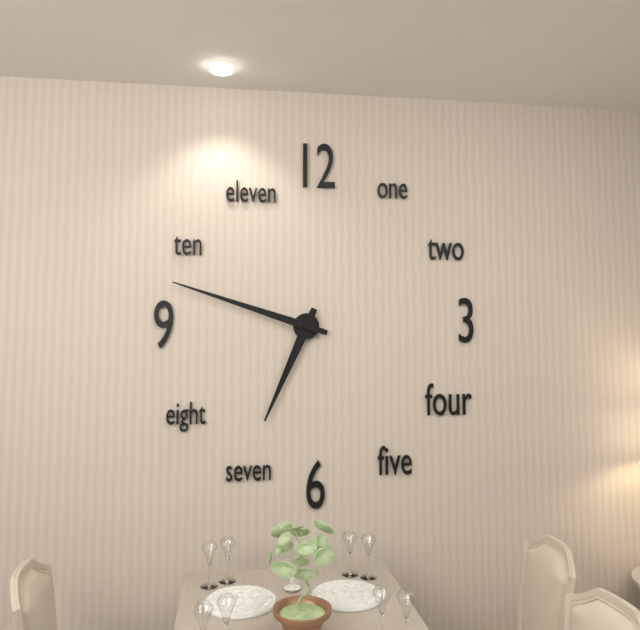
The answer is 6:48
